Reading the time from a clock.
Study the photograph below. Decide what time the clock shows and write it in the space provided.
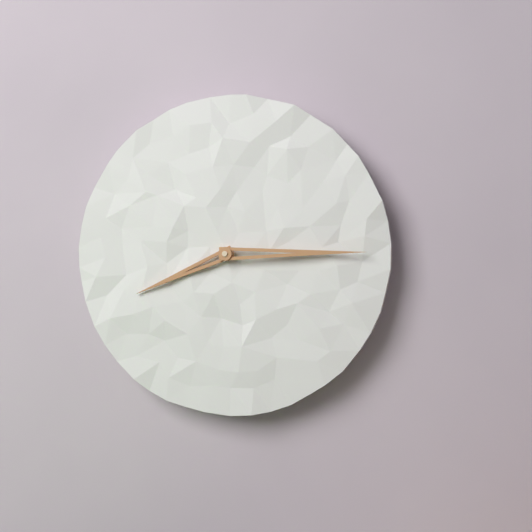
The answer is 8:15
